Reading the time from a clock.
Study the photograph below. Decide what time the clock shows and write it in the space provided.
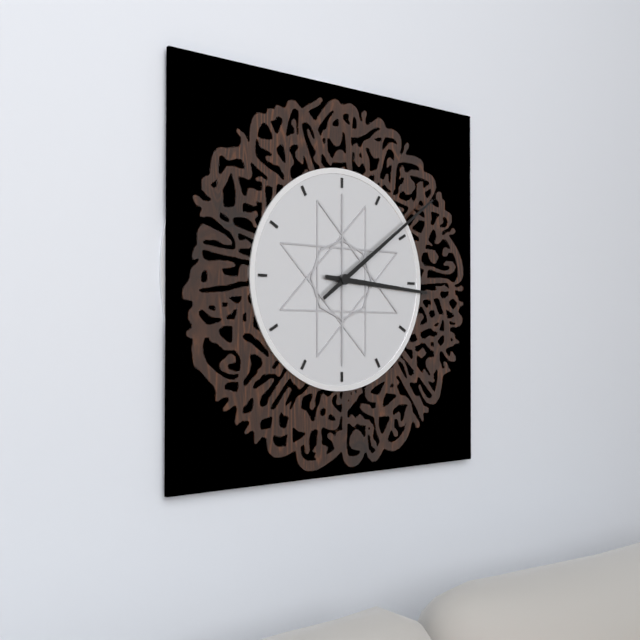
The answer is 3:09
